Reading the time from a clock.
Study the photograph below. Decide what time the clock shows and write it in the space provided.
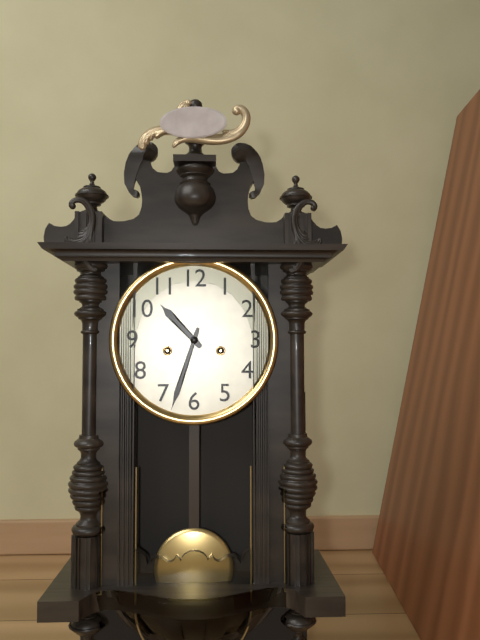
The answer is 10:33
